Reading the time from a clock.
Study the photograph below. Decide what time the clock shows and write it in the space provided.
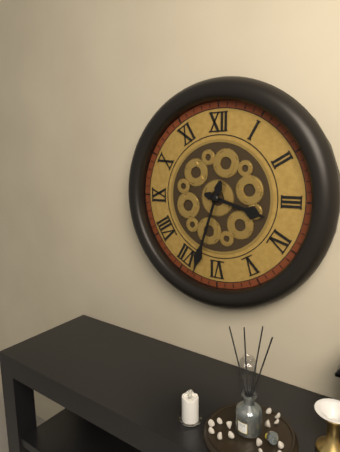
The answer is 3:33
